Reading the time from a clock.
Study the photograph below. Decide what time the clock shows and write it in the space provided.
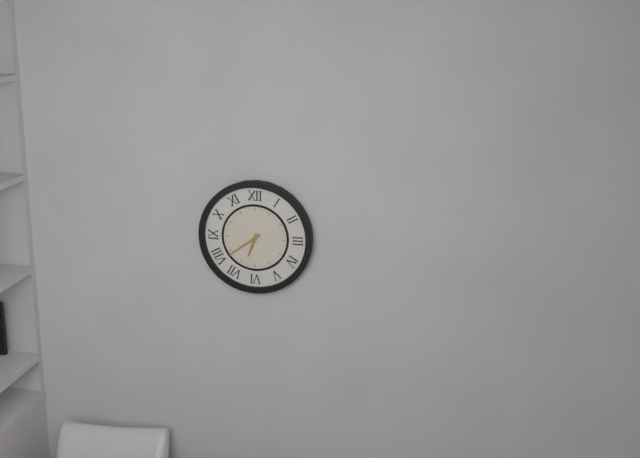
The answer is 6:39
